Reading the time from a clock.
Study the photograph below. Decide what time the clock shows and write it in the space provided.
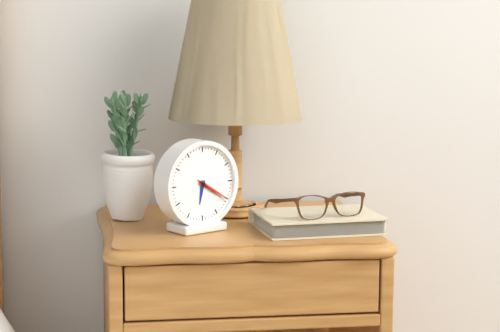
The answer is 6:20
